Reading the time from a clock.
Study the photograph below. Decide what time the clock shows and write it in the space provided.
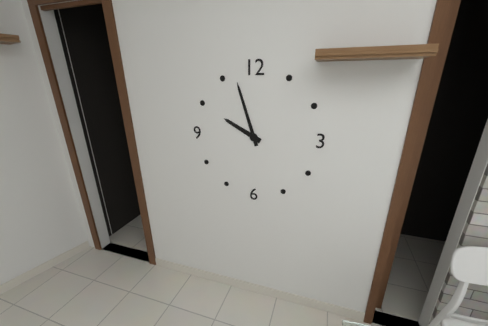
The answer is 9:57
